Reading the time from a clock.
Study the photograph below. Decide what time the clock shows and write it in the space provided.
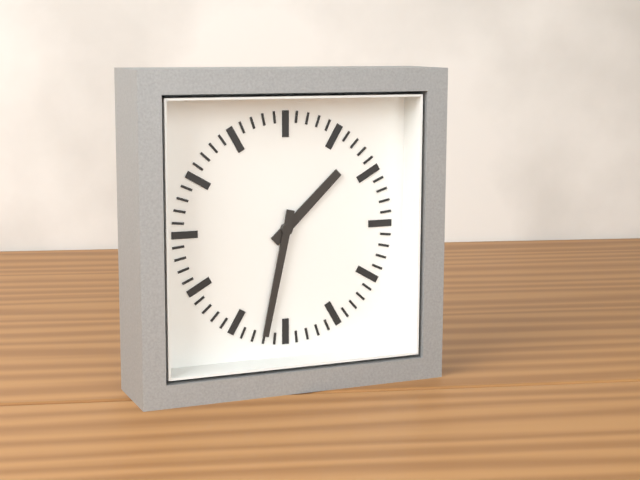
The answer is 1:32
